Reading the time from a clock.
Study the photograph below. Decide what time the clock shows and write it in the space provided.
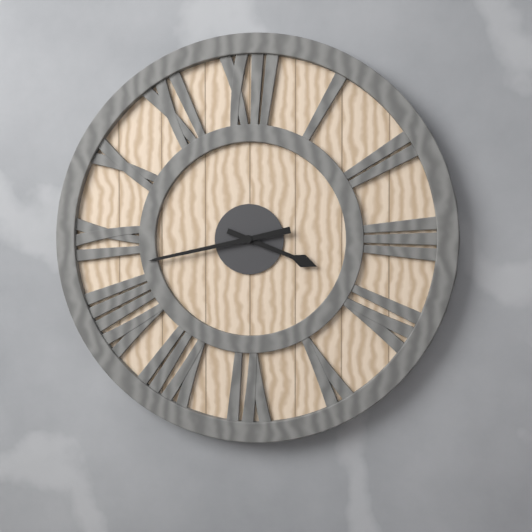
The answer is 3:43
